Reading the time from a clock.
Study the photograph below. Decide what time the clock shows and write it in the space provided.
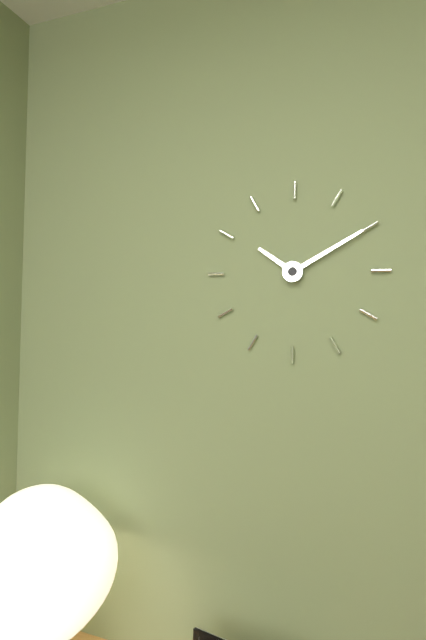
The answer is 10:10
